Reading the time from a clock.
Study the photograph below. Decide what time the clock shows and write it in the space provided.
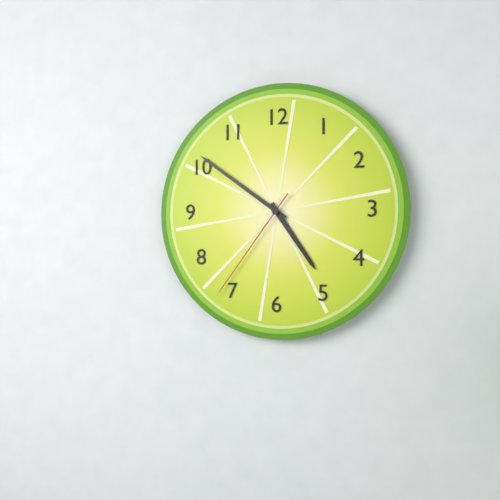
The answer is 4:51:36
